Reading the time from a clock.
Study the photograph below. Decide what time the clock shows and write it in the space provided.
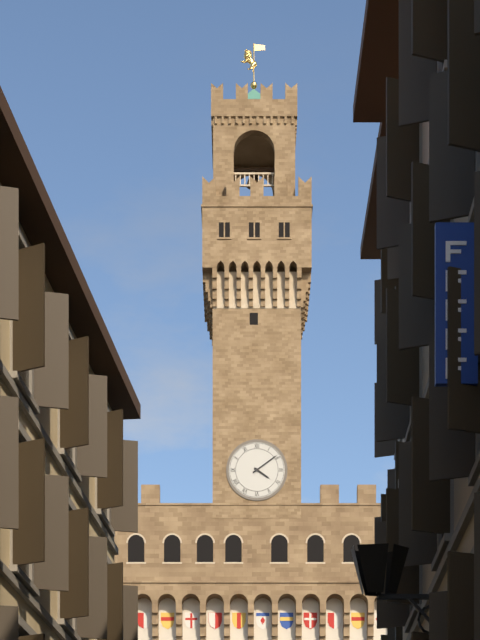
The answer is 4:09
